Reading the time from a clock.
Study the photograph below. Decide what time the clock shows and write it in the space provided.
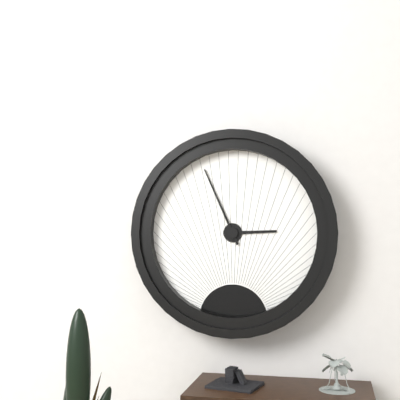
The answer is 2:56
